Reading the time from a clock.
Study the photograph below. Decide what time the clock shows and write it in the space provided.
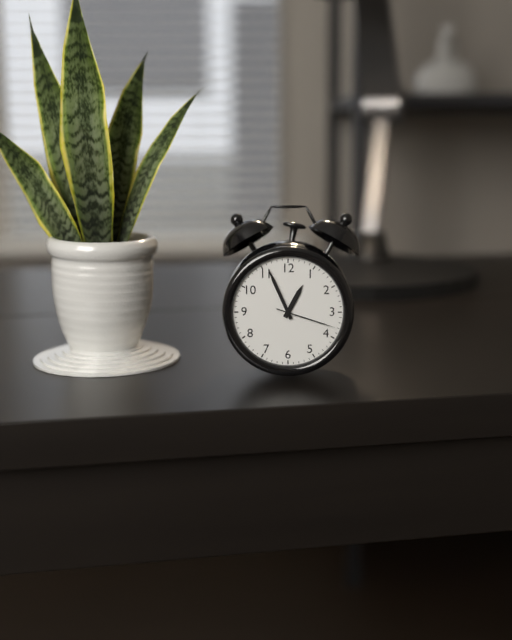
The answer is 12:56:18
